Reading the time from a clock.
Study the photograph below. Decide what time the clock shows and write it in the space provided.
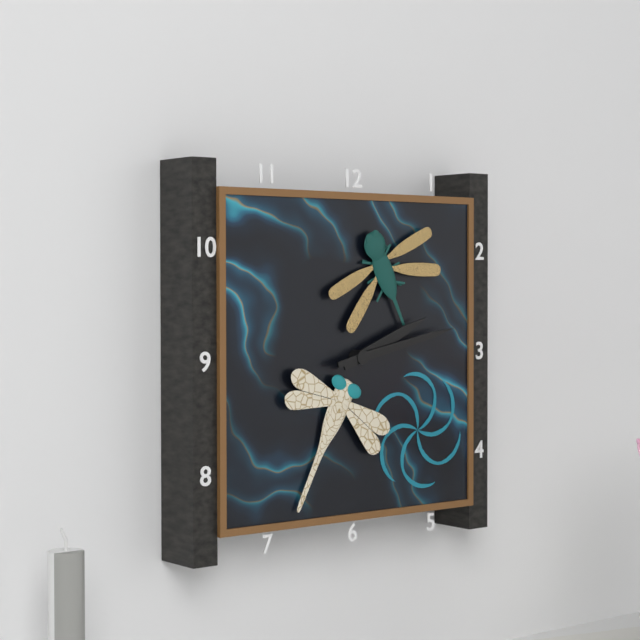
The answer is 2:13
